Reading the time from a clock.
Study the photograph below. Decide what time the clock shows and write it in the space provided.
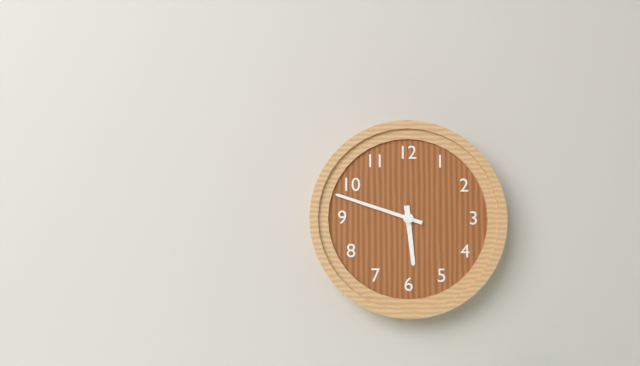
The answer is 5:48
